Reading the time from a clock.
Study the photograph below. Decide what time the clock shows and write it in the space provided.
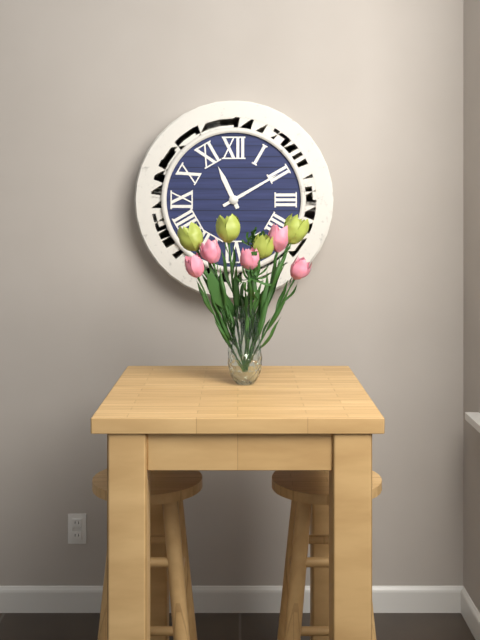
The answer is 11:10
